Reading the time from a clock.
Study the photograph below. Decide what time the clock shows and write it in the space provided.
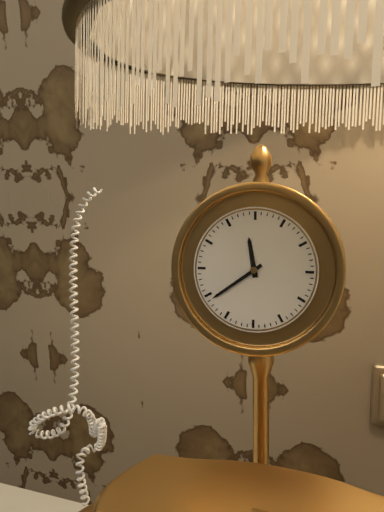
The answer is 11:39
